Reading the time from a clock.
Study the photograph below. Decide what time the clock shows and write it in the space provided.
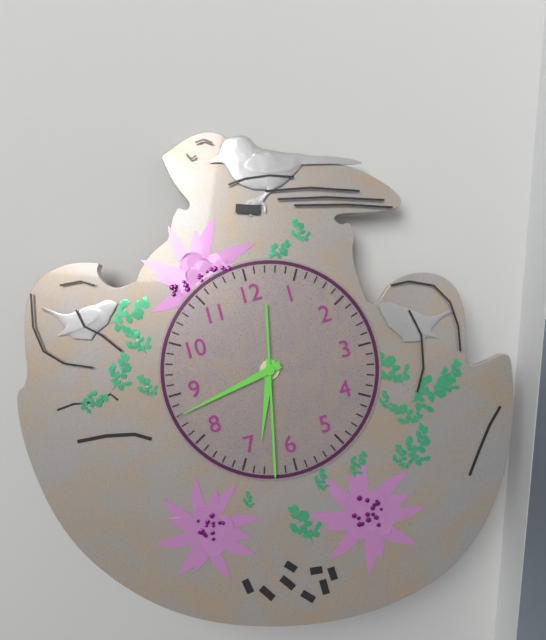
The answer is 6:43:32
